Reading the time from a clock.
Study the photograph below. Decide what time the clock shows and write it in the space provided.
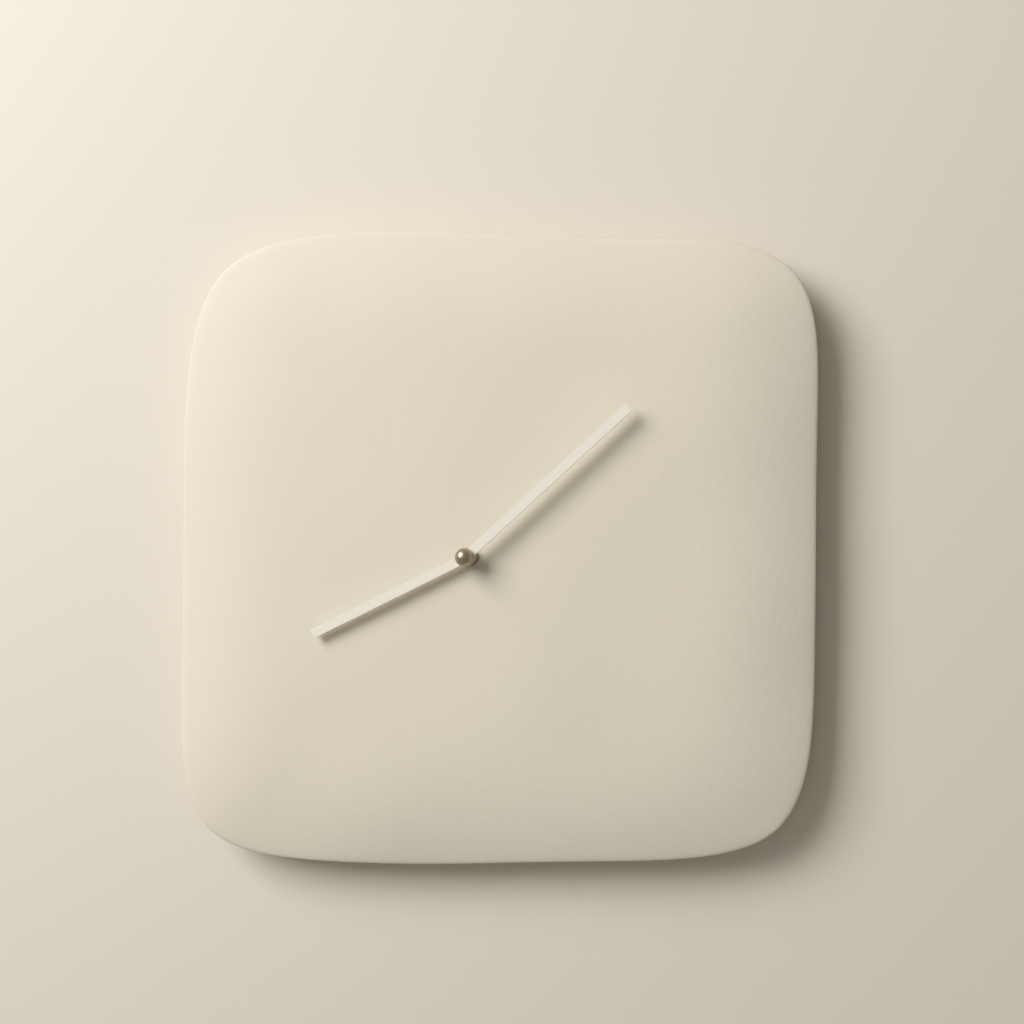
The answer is 8:08
